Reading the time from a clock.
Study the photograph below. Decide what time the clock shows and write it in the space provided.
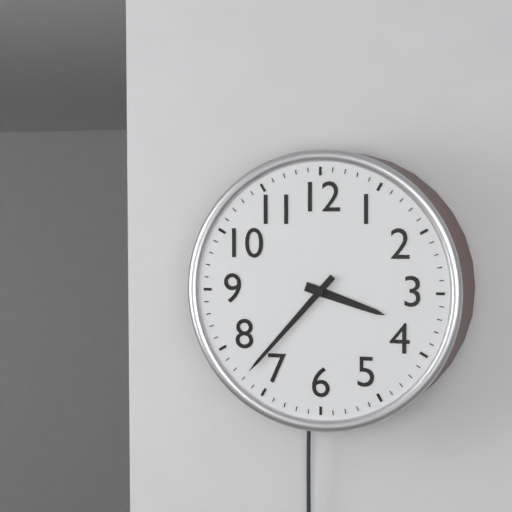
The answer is 3:37
